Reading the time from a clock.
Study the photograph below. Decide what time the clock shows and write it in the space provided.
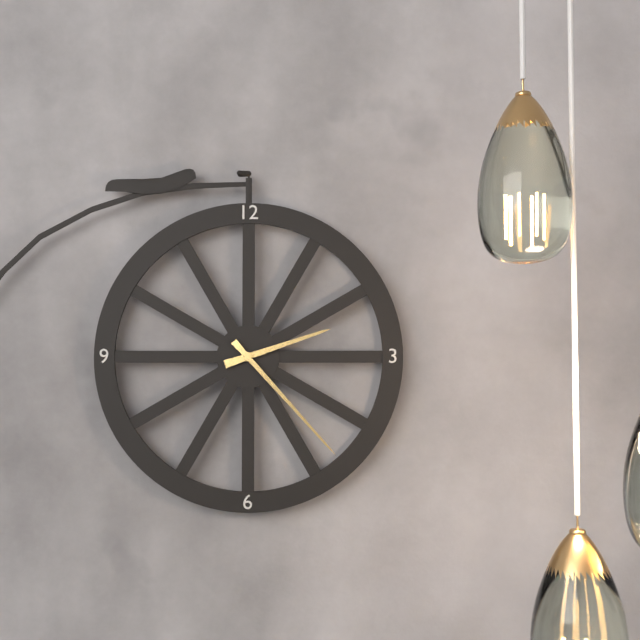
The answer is 2:23
